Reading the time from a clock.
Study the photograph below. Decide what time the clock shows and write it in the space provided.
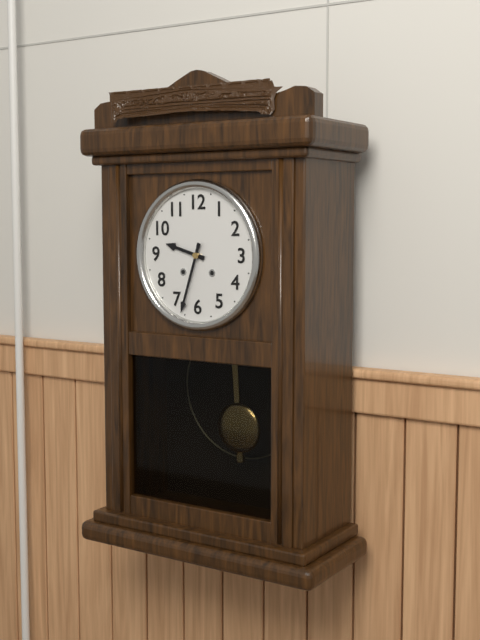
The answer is 9:33
